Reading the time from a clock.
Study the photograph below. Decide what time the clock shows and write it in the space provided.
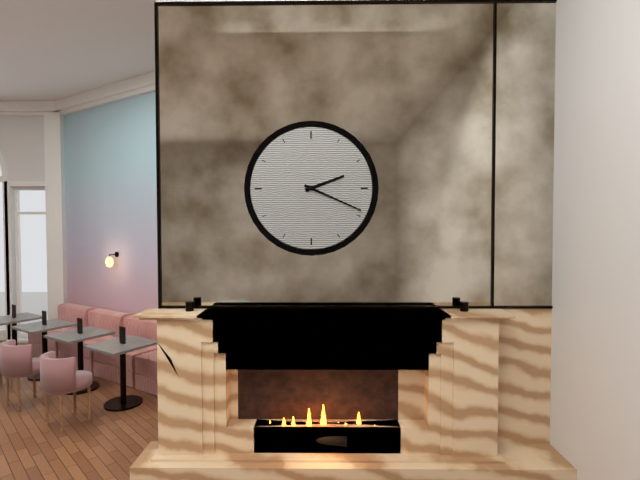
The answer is 2:19
